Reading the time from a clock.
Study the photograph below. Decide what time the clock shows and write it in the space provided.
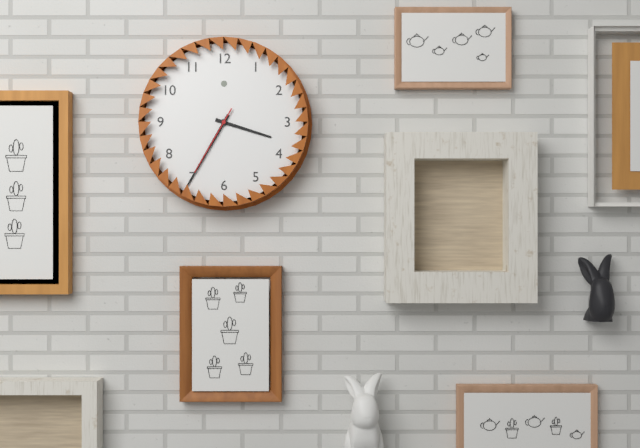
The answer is 3:35:35
